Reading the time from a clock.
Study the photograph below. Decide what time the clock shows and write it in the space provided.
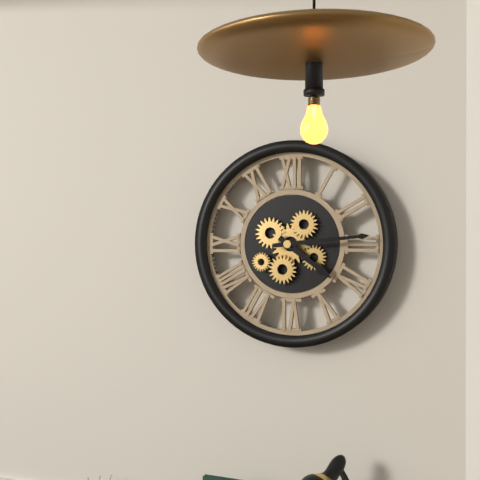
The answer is 4:14
